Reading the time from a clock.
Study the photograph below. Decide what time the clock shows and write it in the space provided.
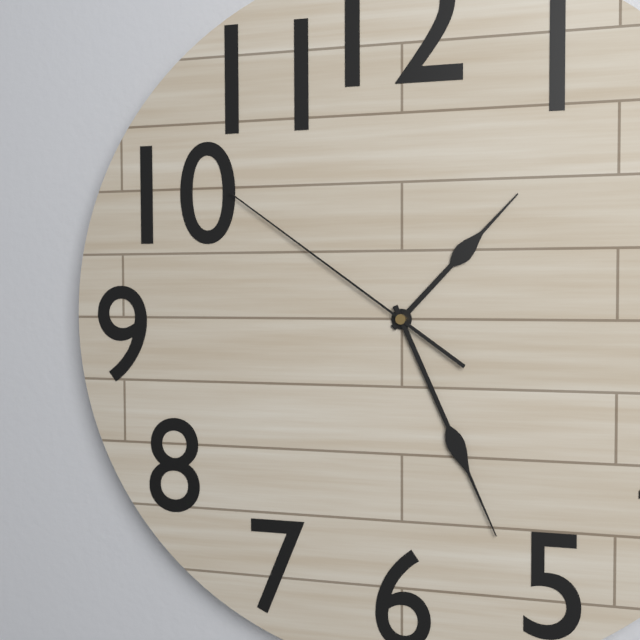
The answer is 1:26:51
